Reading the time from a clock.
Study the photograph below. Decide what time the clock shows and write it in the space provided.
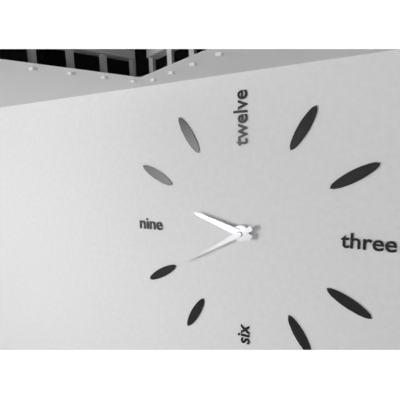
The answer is 9:40
